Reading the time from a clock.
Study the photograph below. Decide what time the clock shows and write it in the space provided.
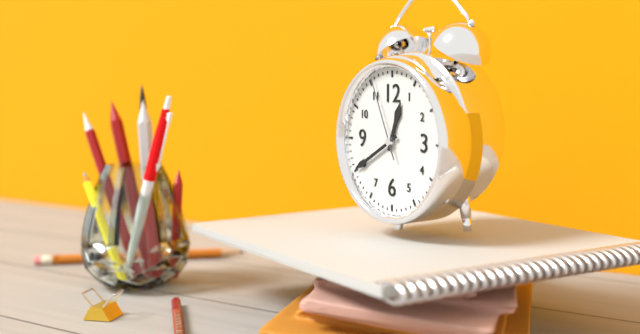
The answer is 12:40:56
